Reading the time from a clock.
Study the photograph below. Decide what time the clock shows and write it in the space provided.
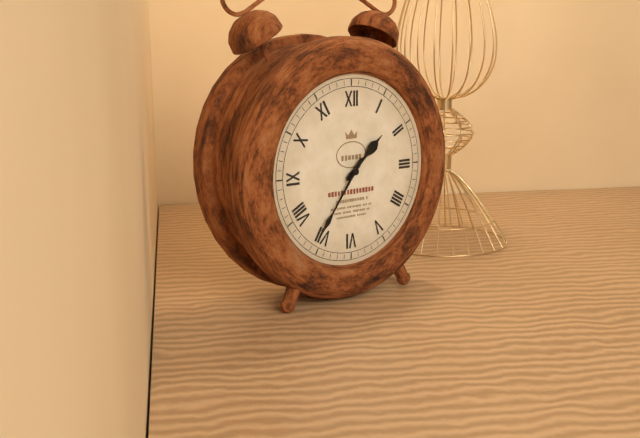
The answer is 1:36
